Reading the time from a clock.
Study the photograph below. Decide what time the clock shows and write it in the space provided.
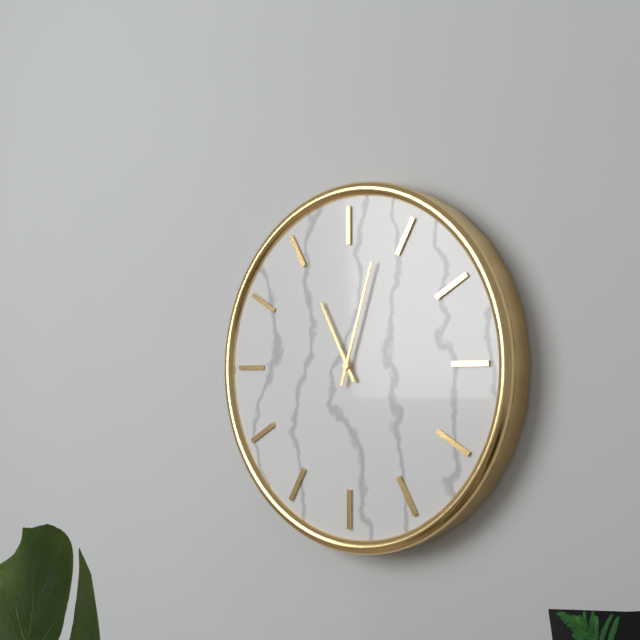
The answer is 11:03
